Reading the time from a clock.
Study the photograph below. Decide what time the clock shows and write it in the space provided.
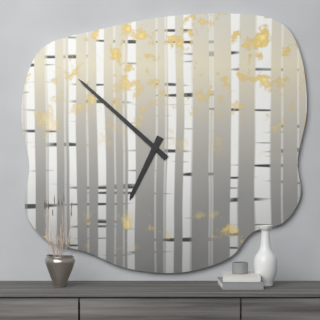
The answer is 6:52
